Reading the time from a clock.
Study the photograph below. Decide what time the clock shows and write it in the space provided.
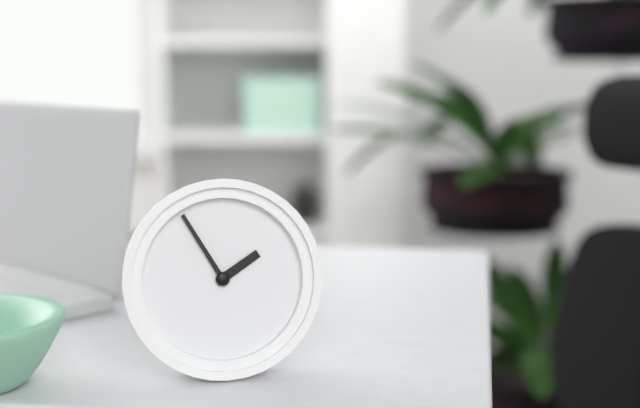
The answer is 1:55
